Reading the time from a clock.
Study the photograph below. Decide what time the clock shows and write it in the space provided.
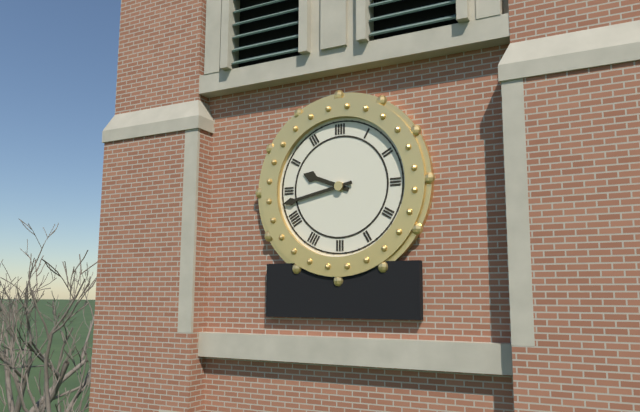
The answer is 9:43
